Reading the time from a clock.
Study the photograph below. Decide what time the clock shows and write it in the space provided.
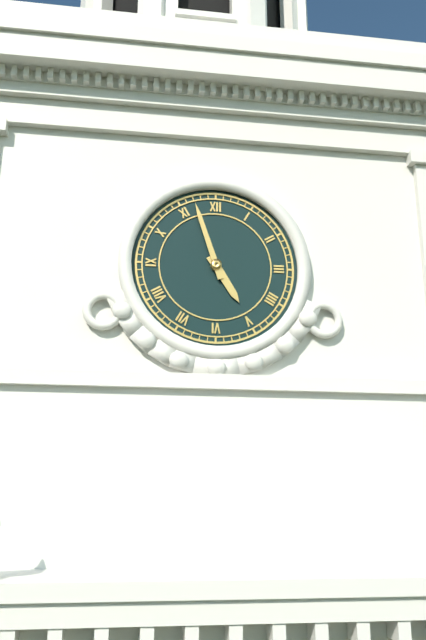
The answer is 4:57
